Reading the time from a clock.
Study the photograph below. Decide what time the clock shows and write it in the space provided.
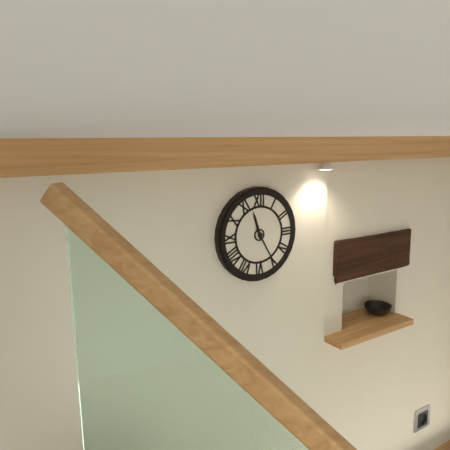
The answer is 11:25
